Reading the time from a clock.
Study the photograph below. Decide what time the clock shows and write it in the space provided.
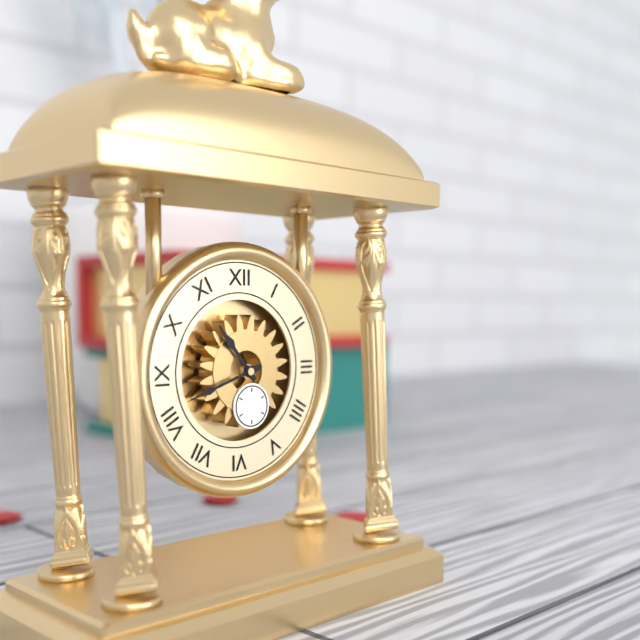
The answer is 10:42
